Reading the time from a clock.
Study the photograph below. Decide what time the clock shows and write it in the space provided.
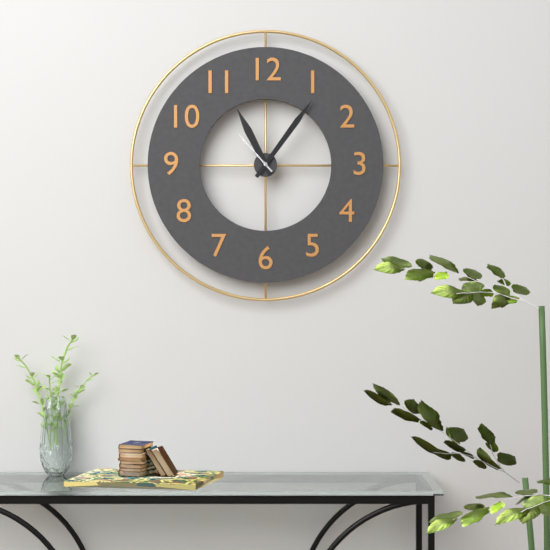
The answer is 11:06:53
